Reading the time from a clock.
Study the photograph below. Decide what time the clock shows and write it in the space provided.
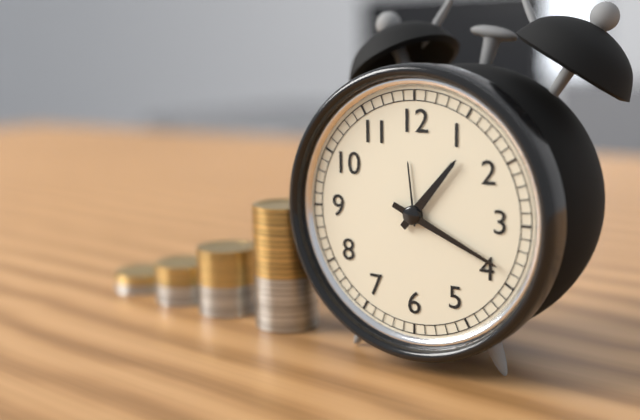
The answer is 1:19
